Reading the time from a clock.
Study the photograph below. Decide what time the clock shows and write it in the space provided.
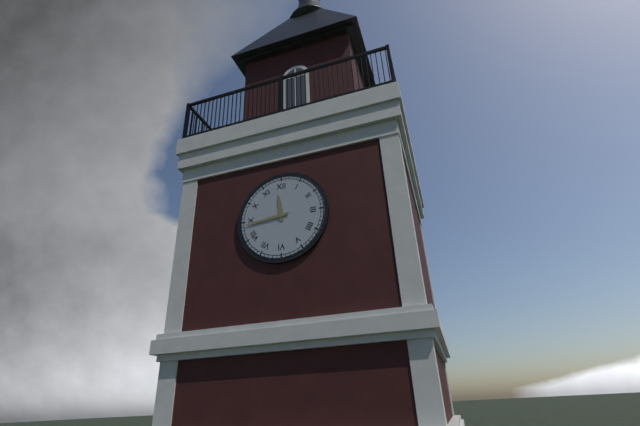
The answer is 11:44
